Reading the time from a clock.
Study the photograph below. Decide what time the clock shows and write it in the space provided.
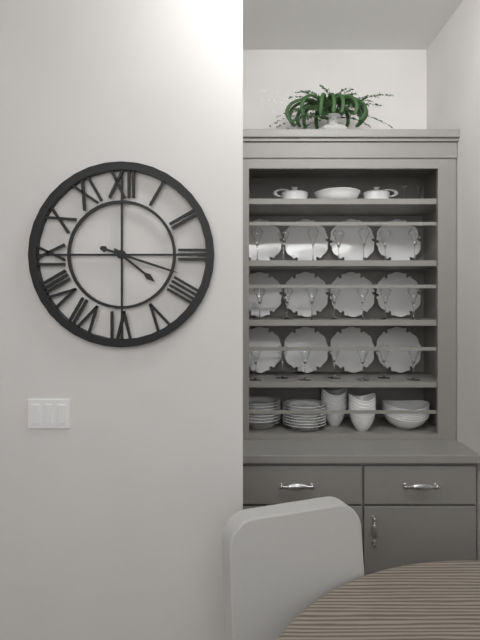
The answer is 4:18
